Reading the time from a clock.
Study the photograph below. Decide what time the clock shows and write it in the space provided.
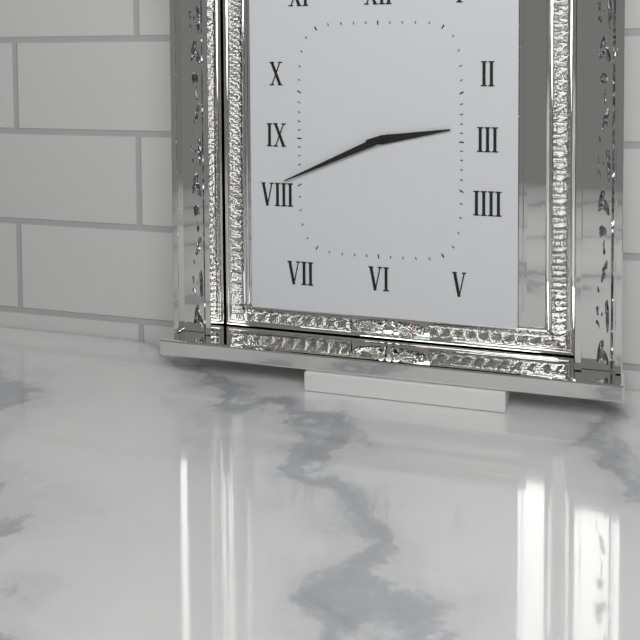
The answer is 2:41
